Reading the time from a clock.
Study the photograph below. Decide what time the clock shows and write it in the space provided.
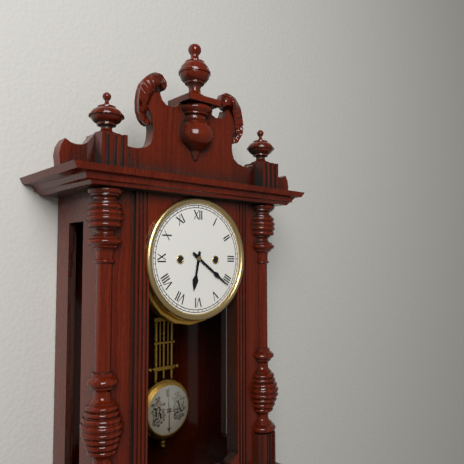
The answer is 6:21
